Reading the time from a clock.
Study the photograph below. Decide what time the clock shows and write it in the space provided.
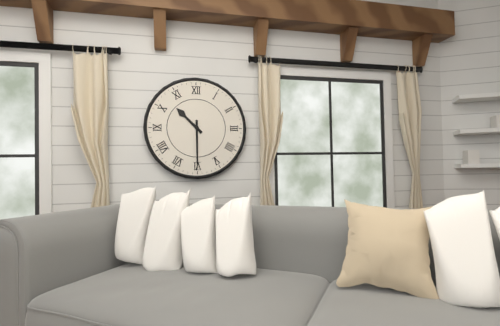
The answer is 10:30
